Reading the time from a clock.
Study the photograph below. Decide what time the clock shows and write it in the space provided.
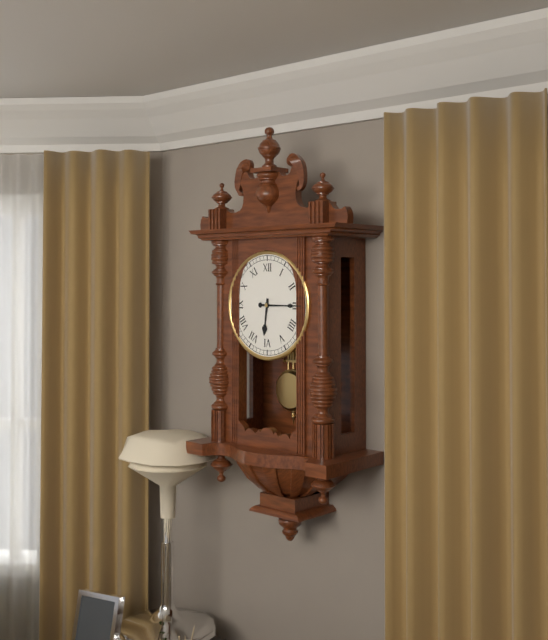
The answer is 6:15
